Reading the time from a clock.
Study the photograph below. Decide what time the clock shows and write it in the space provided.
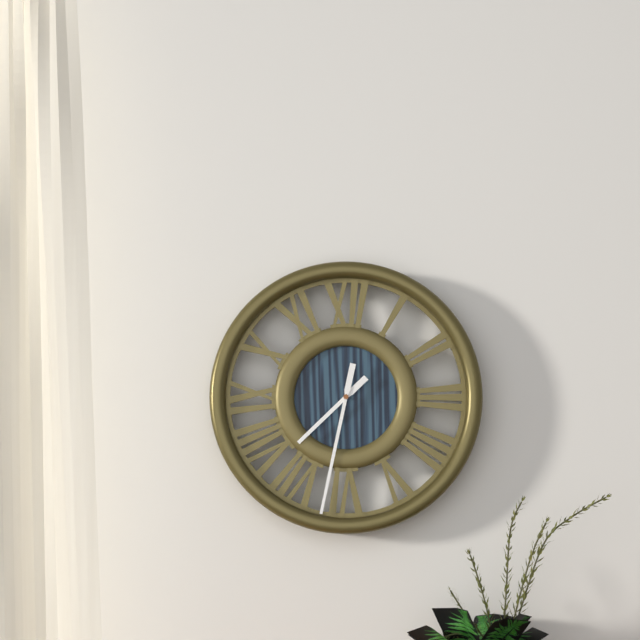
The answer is 7:32
